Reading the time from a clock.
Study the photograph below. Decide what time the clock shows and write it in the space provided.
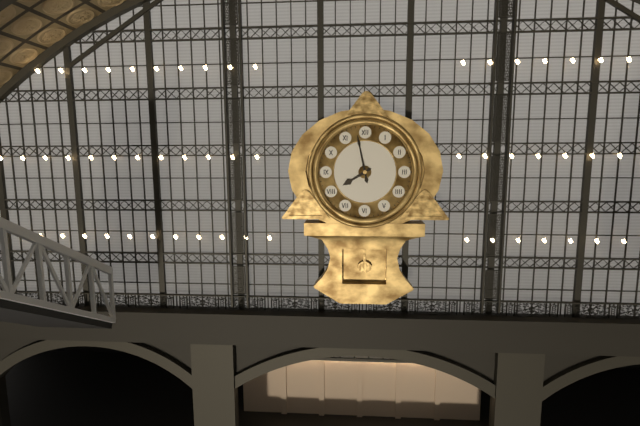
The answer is 7:58
